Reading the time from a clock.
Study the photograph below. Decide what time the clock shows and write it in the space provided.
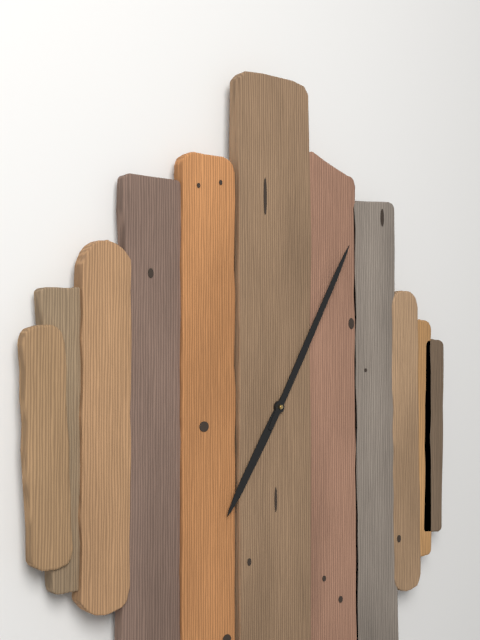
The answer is 7:05
